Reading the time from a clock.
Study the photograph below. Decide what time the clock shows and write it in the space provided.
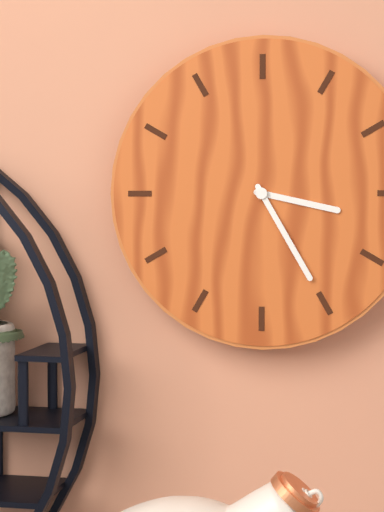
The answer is 3:25
